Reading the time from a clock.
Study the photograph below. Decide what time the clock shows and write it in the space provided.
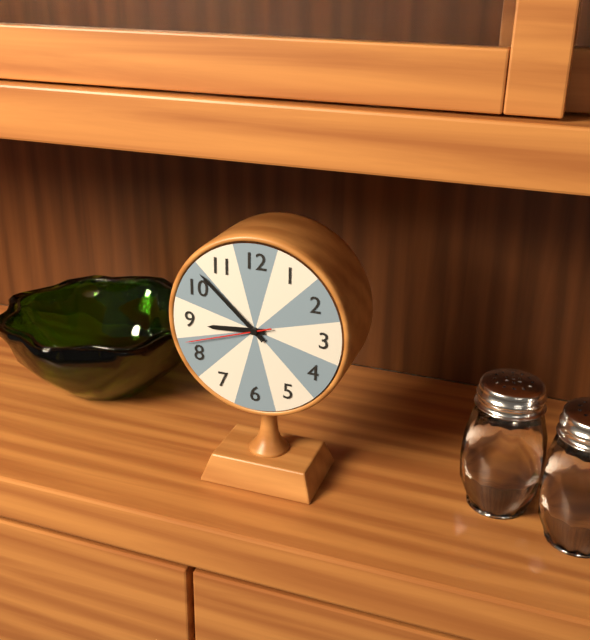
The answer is 8:52:42
